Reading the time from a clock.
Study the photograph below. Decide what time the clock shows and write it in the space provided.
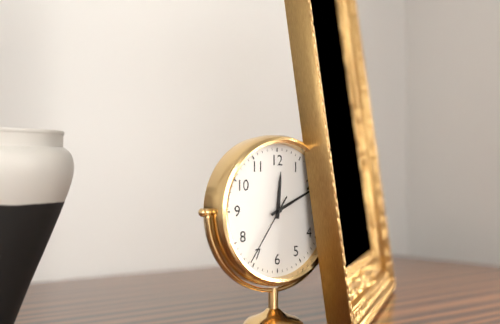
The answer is 12:11:36
